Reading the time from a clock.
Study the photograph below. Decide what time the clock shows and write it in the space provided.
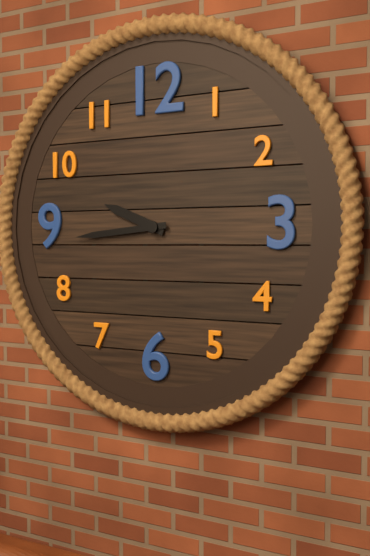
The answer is 9:44
